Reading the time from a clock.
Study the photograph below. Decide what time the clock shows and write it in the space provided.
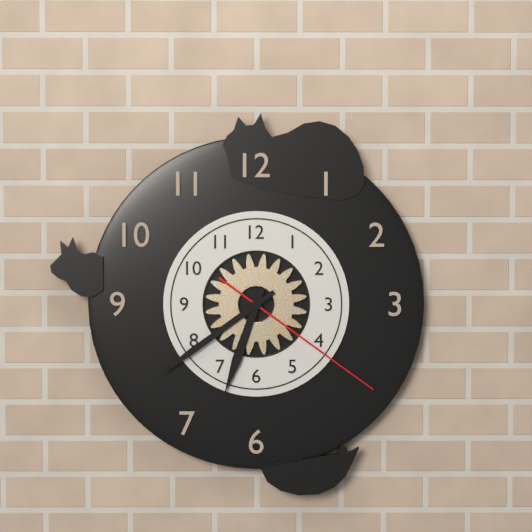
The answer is 6:39:21
